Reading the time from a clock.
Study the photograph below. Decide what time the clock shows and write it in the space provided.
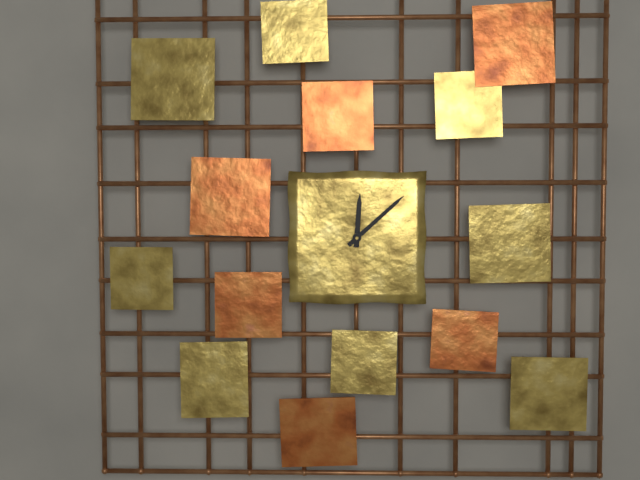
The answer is 12:08
